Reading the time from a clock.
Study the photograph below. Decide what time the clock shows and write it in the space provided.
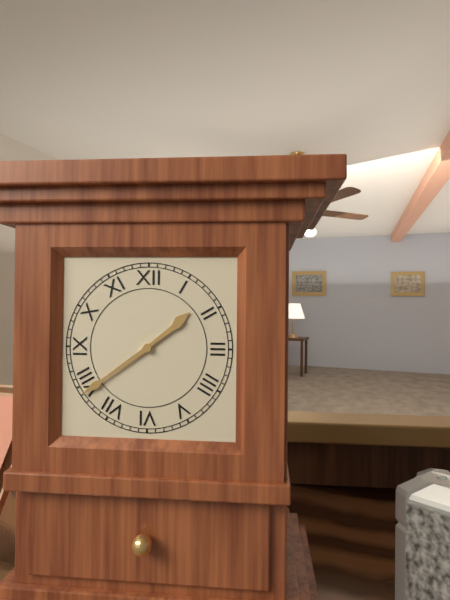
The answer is 1:39
